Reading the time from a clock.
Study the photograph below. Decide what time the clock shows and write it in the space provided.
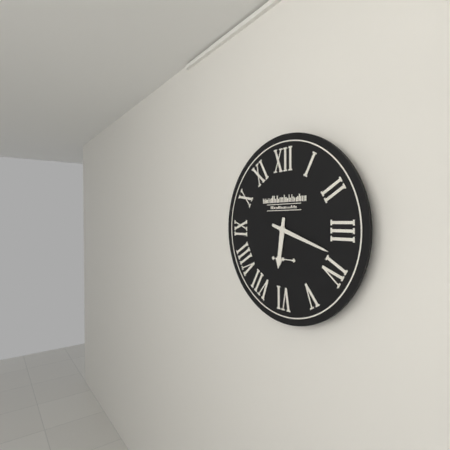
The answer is 6:18
